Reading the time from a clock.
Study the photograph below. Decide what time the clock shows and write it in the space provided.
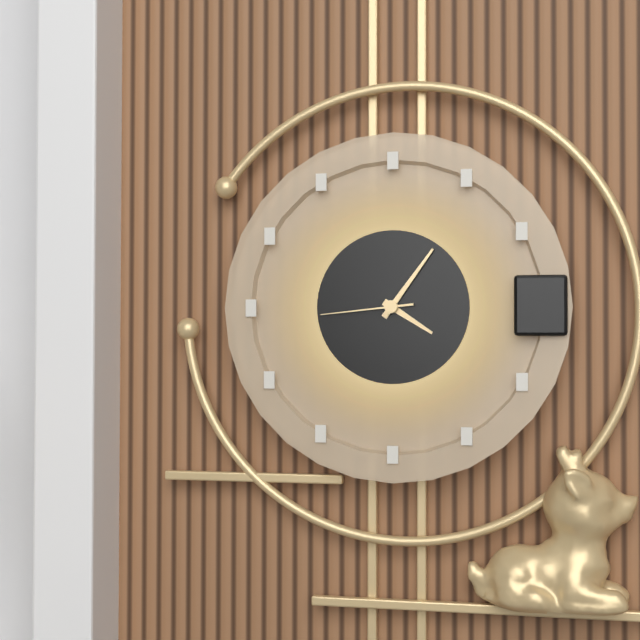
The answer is 4:06:44
